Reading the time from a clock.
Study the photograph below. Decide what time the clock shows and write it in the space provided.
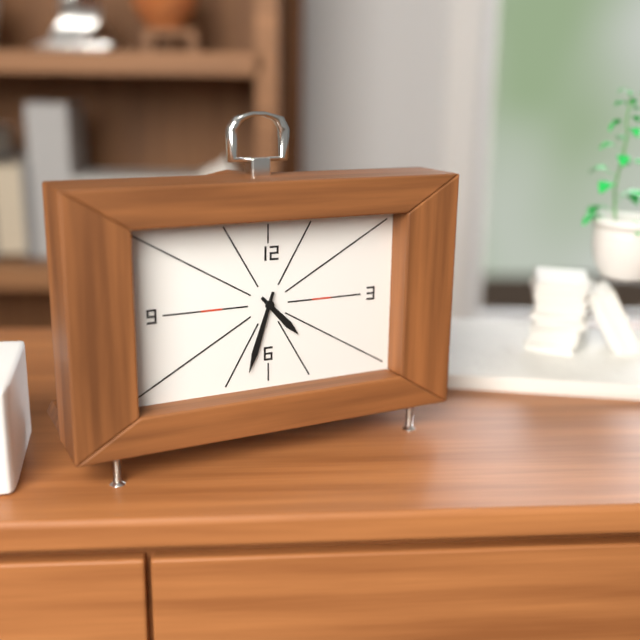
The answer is 4:33
